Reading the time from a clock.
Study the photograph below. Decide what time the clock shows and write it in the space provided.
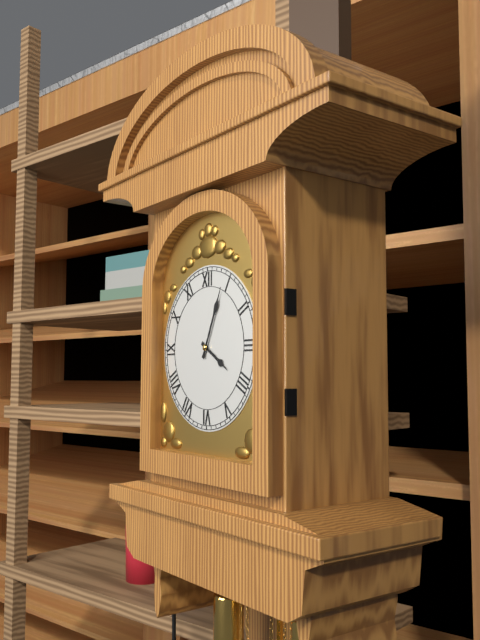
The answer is 4:04
